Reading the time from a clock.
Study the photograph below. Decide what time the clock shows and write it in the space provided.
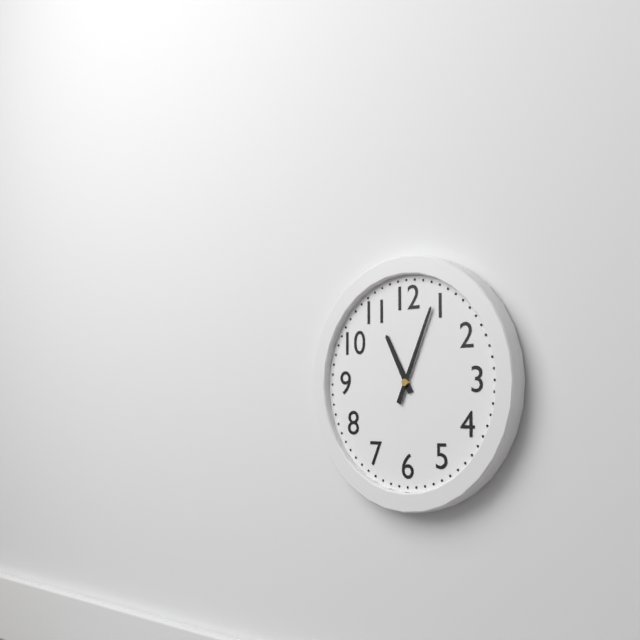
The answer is 11:04
